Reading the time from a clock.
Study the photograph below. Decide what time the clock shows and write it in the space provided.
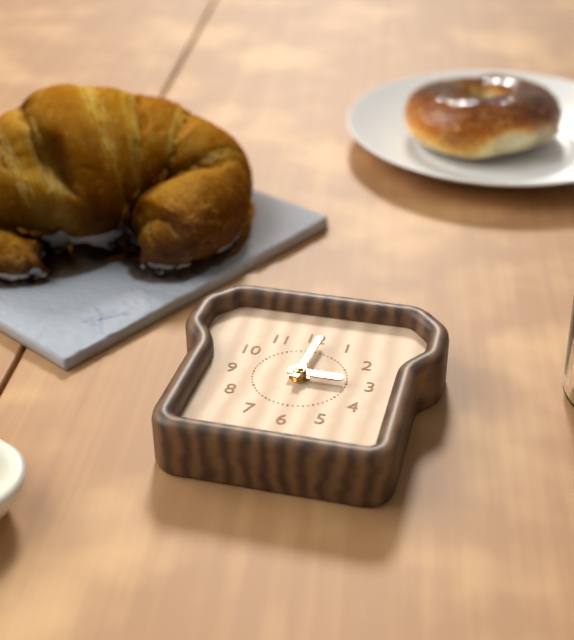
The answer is 3:01
